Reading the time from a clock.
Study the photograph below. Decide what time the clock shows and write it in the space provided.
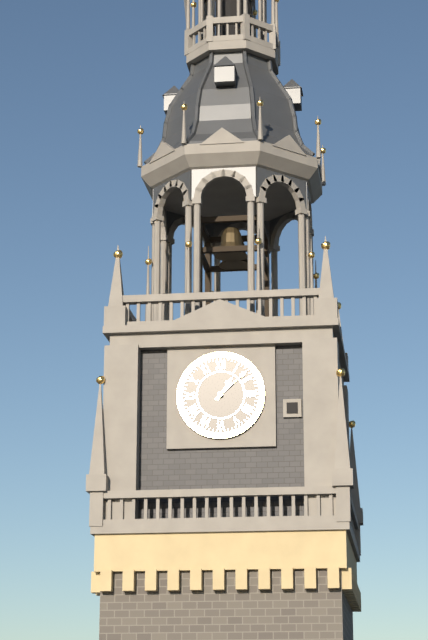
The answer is 1:08
